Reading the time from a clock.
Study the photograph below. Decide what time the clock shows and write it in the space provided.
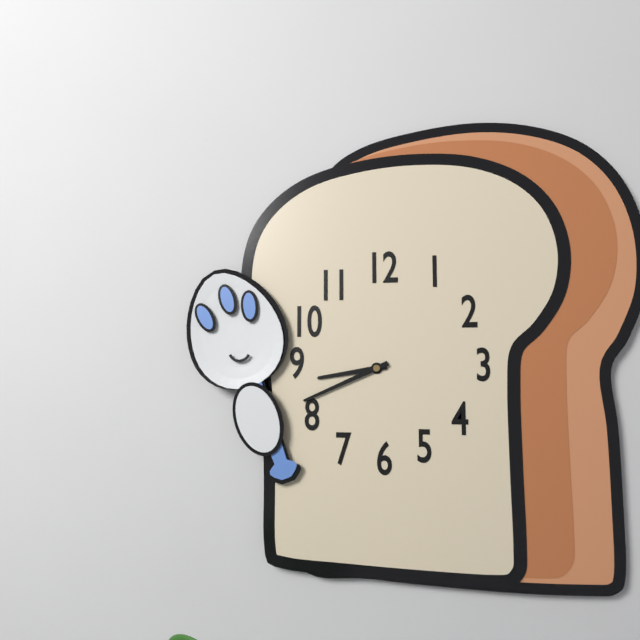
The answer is 8:41
